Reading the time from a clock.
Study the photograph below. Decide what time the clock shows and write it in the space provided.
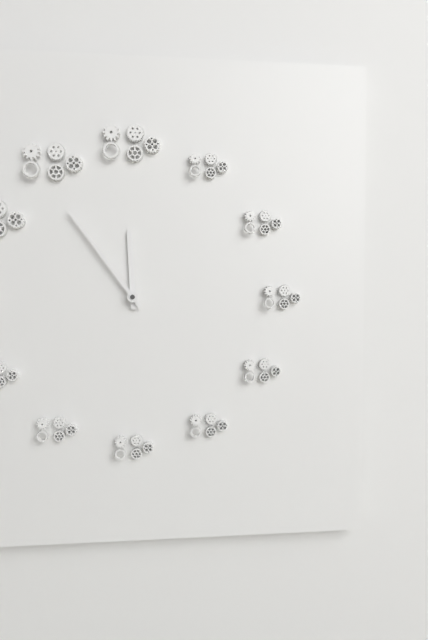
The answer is 11:54
